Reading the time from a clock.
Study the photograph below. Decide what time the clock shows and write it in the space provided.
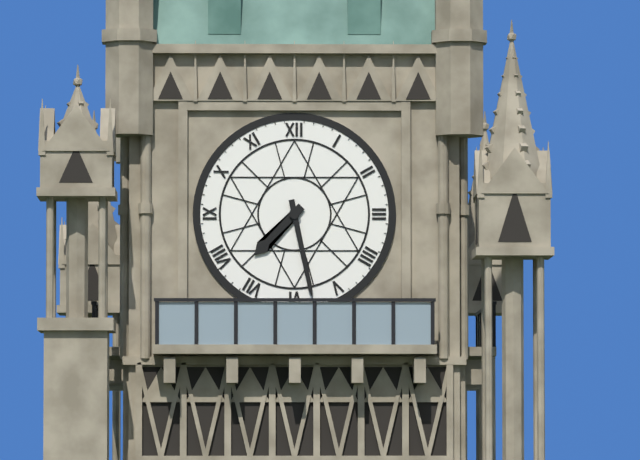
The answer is 7:28
